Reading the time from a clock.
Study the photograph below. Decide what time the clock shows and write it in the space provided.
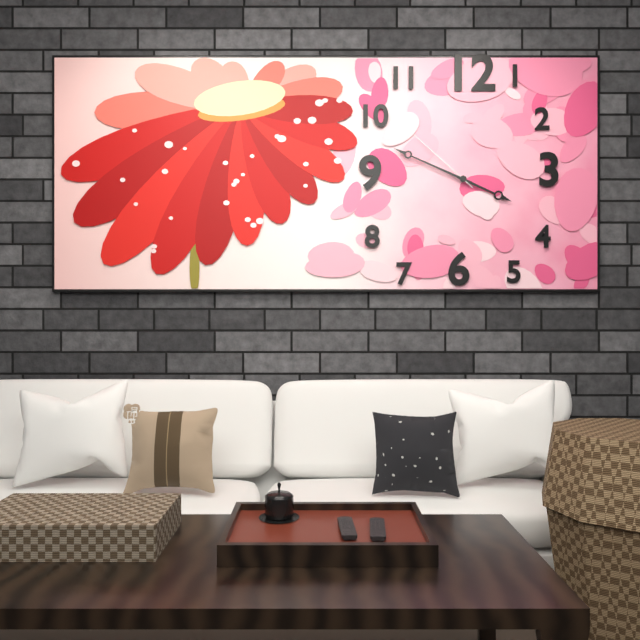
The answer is 3:49:52
